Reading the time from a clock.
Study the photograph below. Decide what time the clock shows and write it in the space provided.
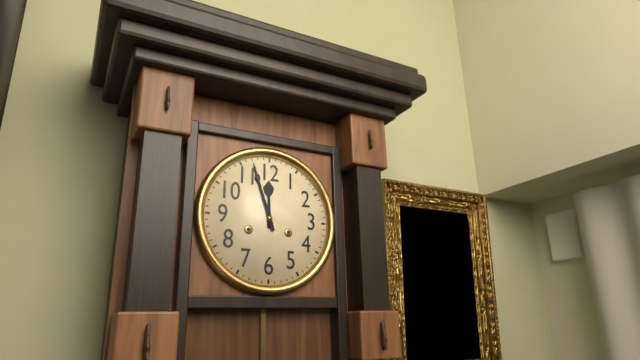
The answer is 11:57
